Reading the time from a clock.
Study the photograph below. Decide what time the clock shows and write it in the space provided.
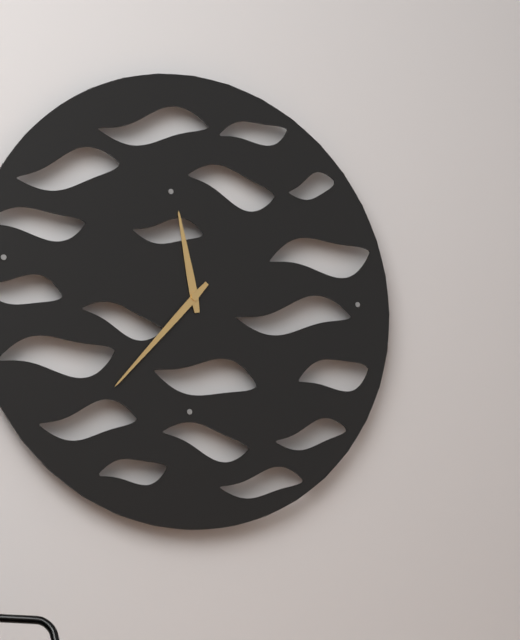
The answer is 11:37
